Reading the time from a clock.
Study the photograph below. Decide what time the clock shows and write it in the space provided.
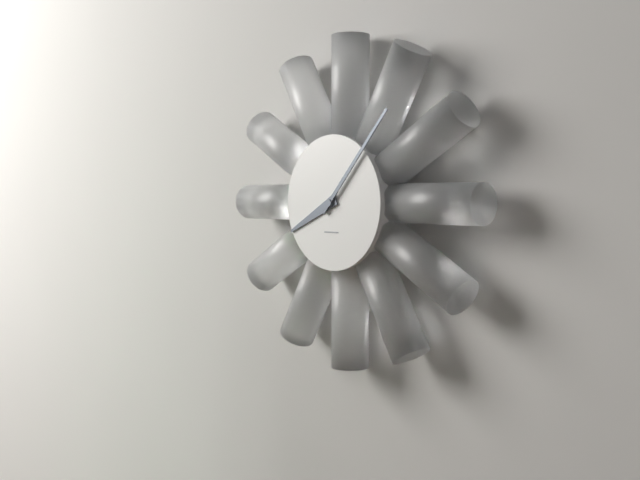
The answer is 8:07
